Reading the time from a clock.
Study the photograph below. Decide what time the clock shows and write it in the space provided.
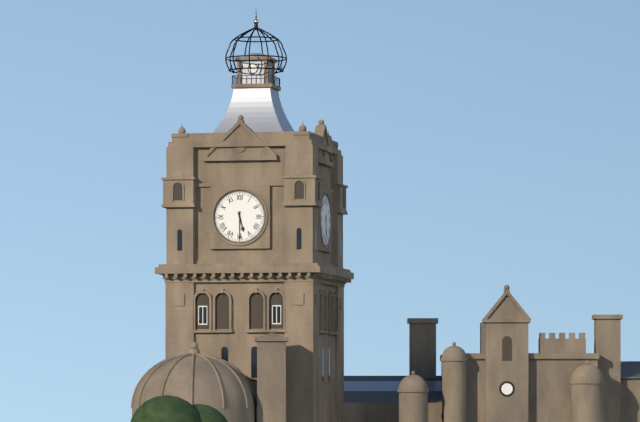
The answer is 5:30
